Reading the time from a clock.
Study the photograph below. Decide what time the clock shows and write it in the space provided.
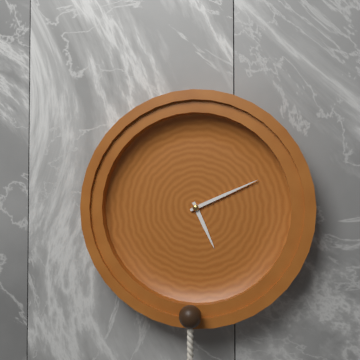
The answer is 5:11
